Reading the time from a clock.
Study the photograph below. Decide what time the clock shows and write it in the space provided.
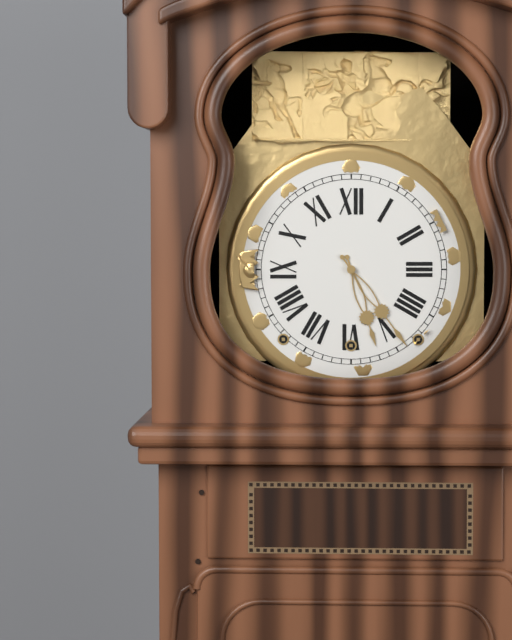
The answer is 5:24
